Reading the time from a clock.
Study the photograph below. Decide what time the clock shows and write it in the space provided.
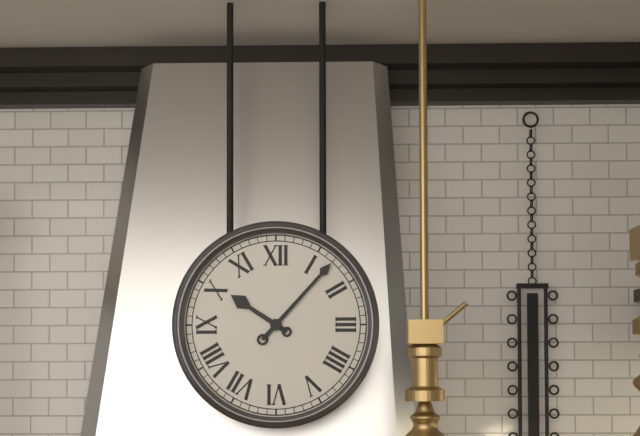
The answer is 10:07
